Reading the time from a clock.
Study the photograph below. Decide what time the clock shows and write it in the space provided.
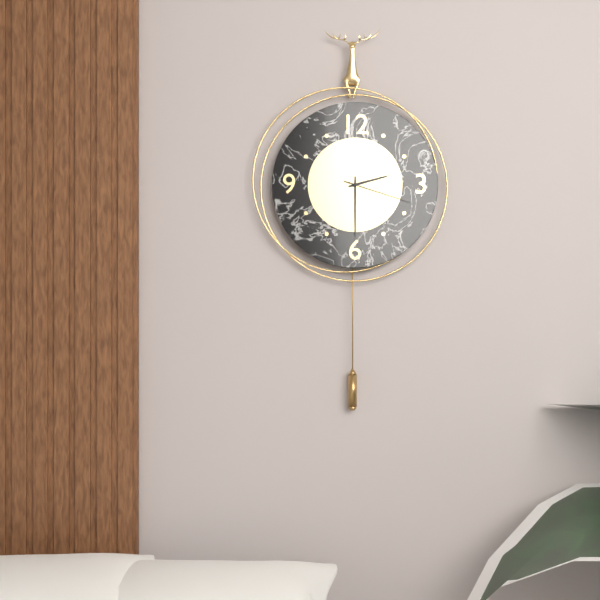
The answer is 2:30:18
